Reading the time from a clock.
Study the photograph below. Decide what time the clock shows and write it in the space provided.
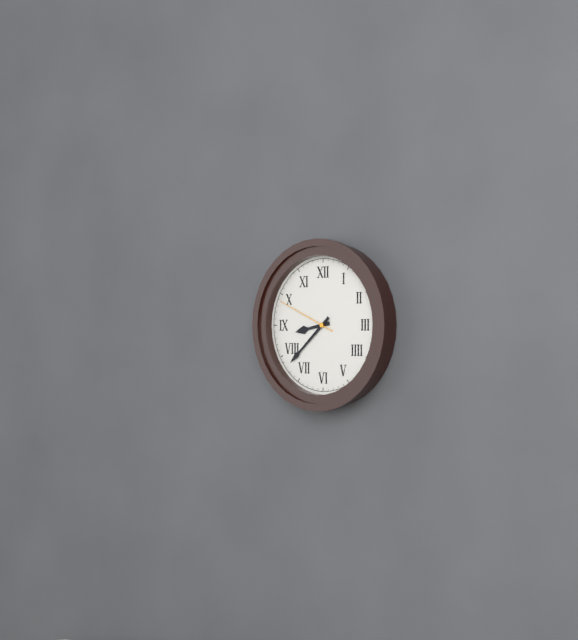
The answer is 8:38:49
